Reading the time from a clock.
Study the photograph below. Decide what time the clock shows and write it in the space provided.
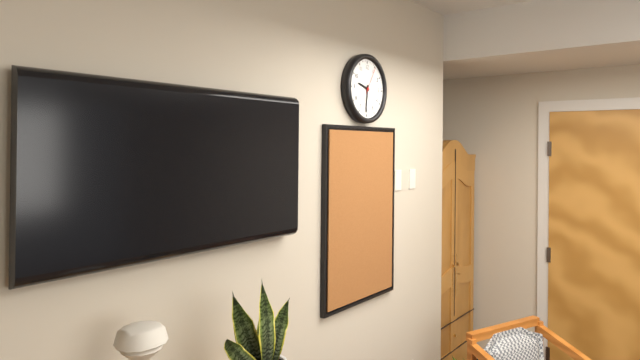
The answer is 9:31
